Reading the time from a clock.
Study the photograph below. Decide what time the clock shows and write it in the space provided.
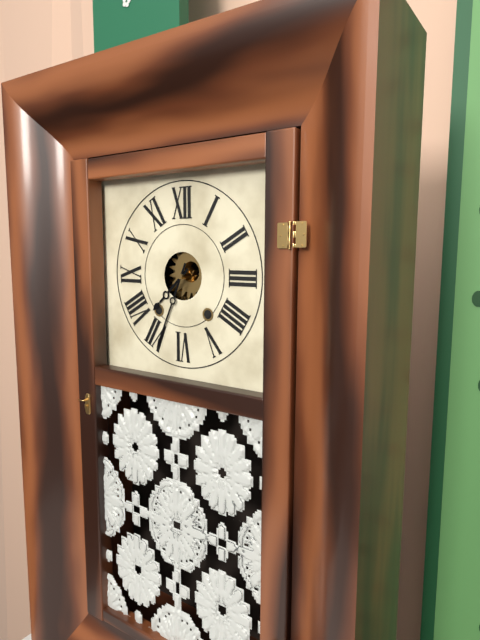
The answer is 7:34
